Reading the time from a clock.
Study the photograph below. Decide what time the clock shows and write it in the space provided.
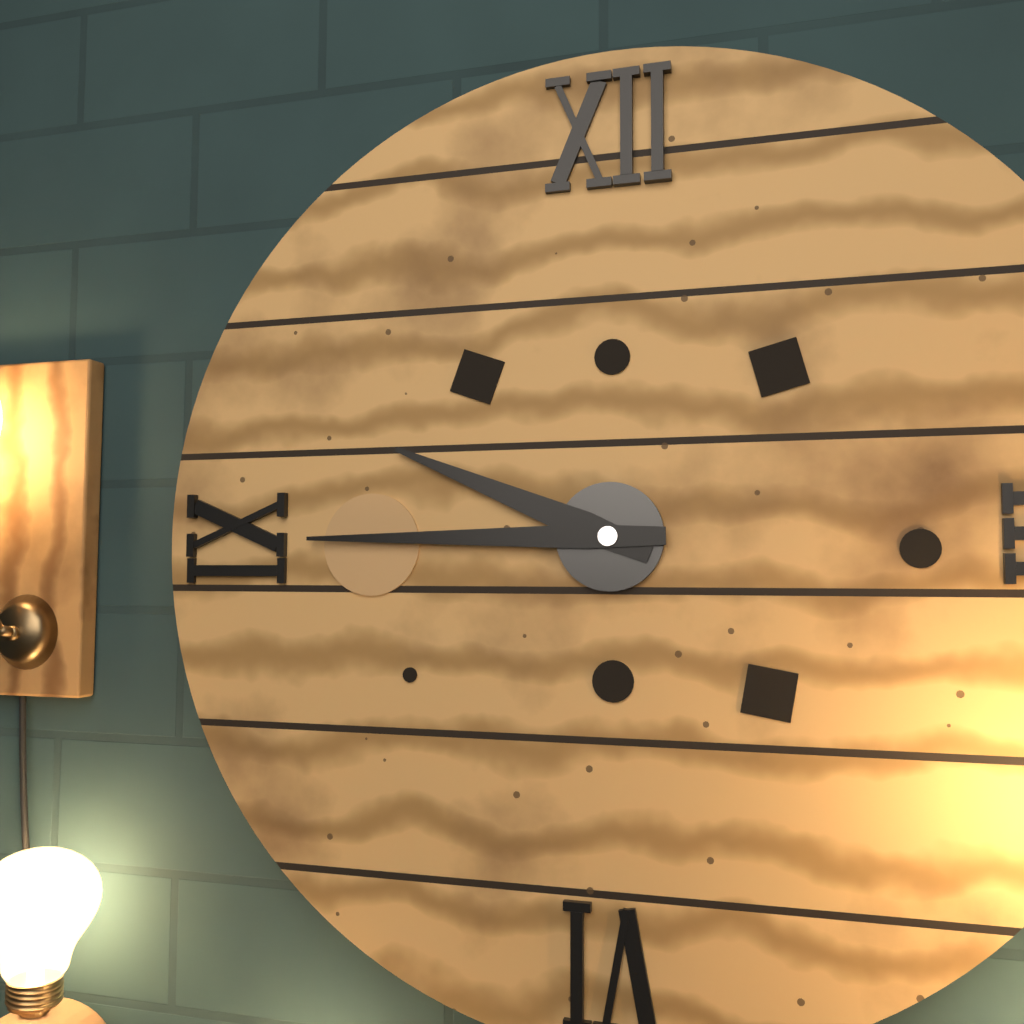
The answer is 9:45
